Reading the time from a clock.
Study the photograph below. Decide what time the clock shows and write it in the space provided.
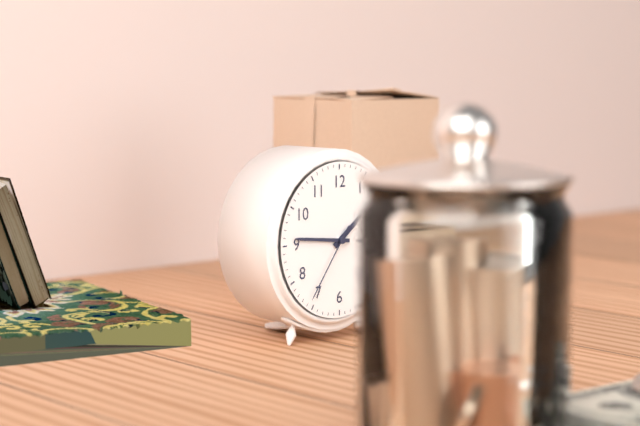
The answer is 1:46:36
